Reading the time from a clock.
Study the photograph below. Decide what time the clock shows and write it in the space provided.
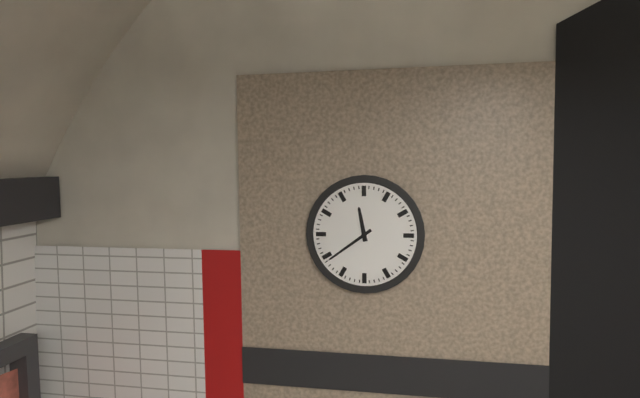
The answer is 11:39
